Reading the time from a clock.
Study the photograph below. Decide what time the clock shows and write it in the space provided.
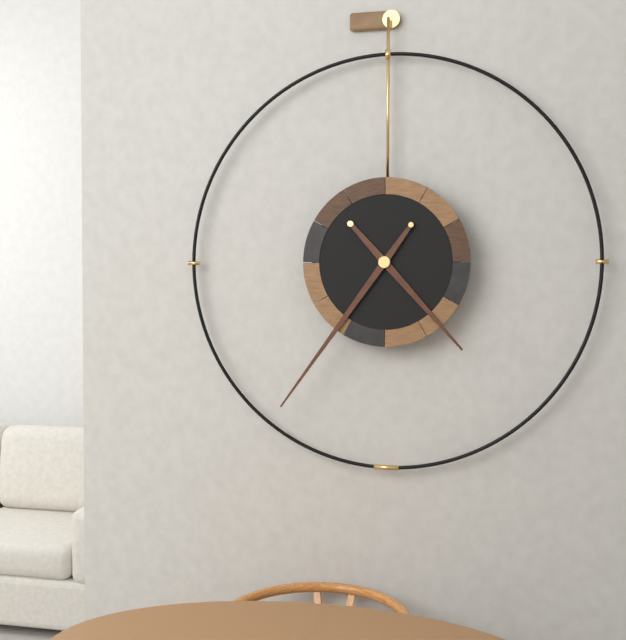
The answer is 4:36
